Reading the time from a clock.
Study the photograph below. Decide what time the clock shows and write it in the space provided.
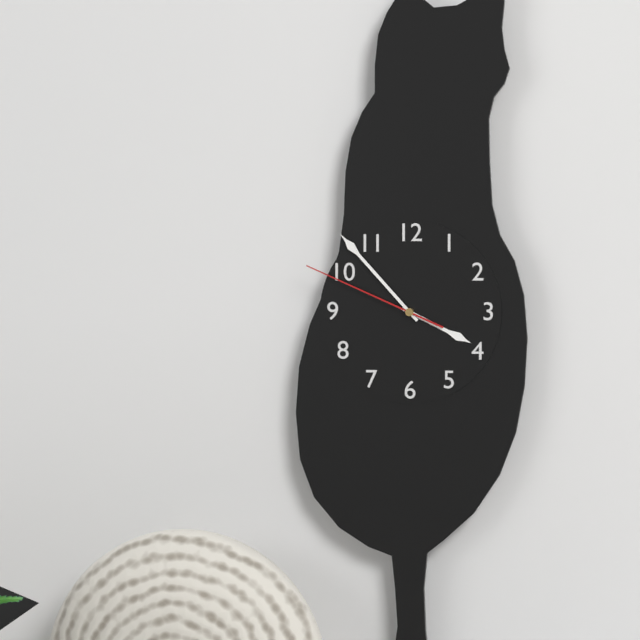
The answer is 3:53:49
